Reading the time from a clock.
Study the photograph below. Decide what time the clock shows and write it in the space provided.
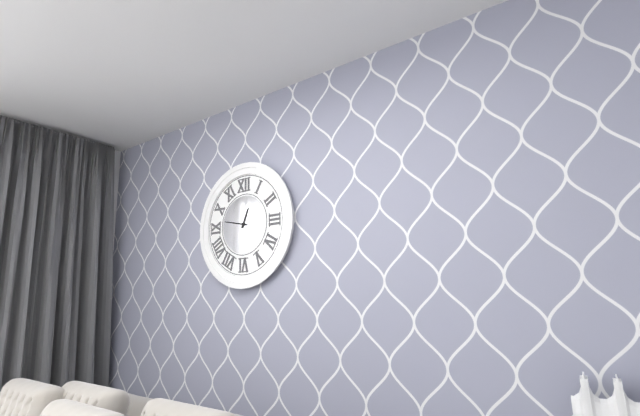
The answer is 12:47
